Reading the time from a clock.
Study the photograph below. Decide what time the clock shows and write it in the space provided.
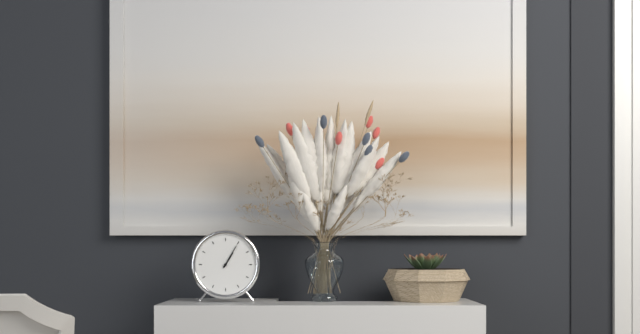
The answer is 1:05
